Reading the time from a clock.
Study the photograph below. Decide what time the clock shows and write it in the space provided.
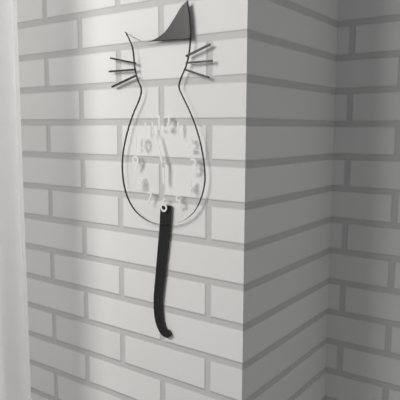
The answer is 5:57
